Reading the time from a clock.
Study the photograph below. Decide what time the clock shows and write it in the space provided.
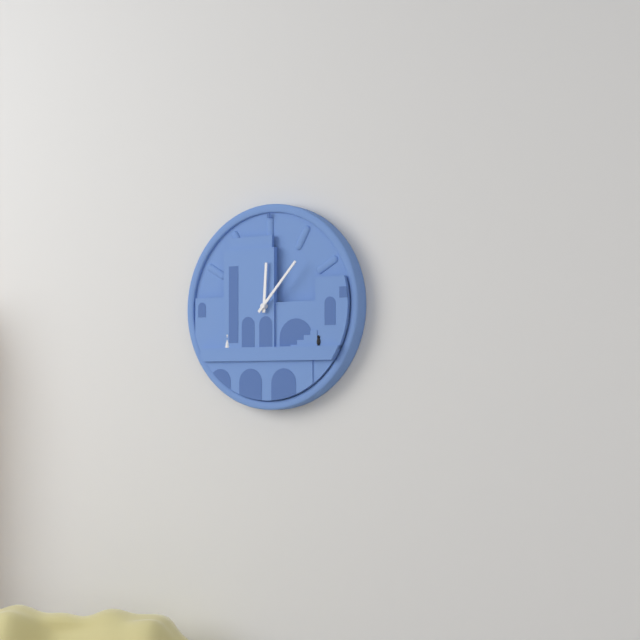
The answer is 12:07
